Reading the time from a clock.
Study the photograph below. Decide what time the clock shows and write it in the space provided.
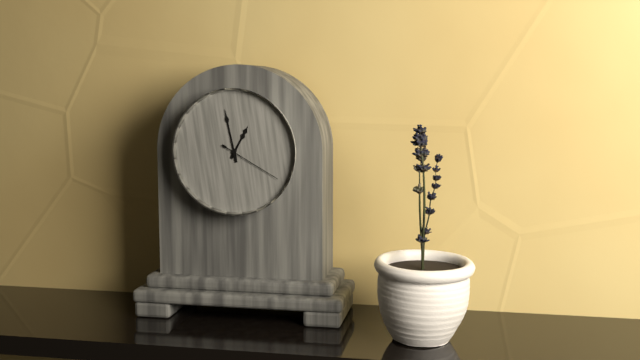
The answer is 12:58:20
